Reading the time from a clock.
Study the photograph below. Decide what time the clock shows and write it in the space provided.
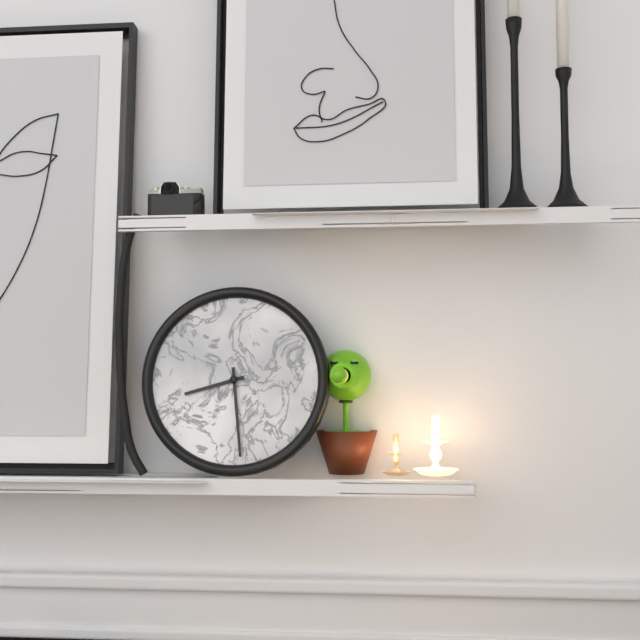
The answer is 8:29
